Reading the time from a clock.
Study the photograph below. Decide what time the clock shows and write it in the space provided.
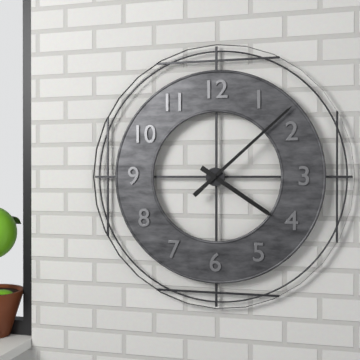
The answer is 4:08
